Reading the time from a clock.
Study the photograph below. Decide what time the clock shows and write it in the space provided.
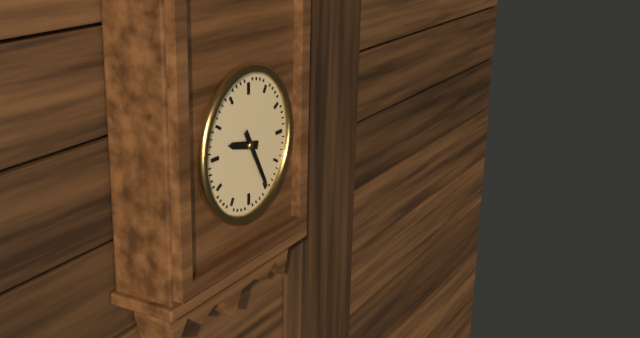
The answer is 9:25
